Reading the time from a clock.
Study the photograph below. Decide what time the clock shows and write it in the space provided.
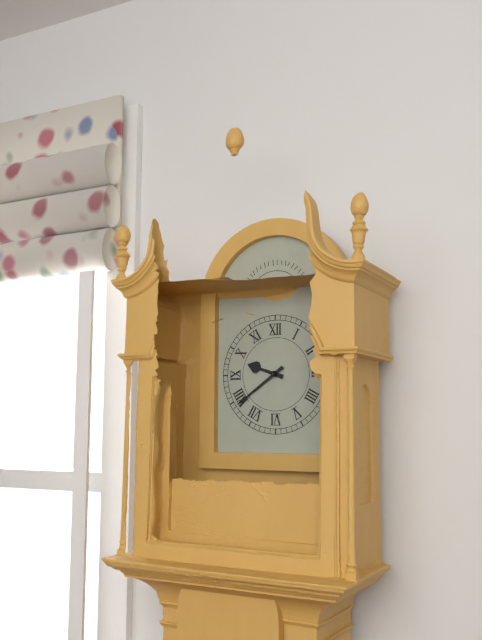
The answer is 9:39
